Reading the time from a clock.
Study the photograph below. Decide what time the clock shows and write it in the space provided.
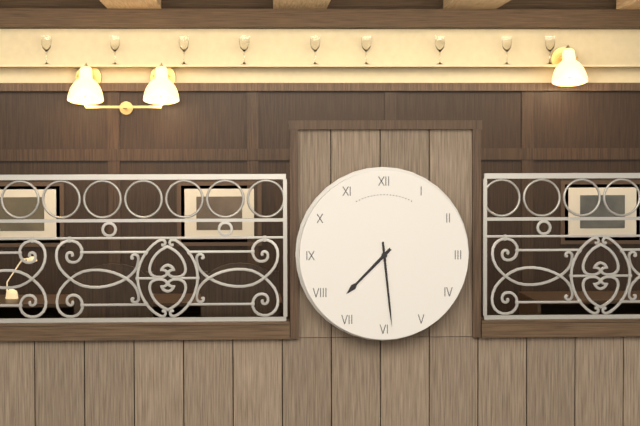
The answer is 7:29
